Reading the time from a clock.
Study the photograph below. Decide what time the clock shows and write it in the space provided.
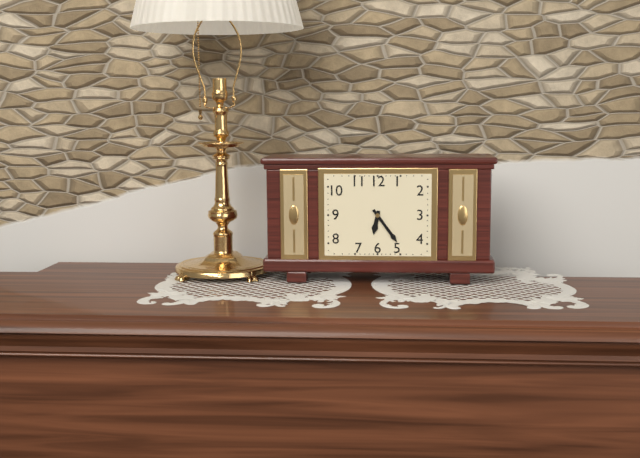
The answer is 6:24
